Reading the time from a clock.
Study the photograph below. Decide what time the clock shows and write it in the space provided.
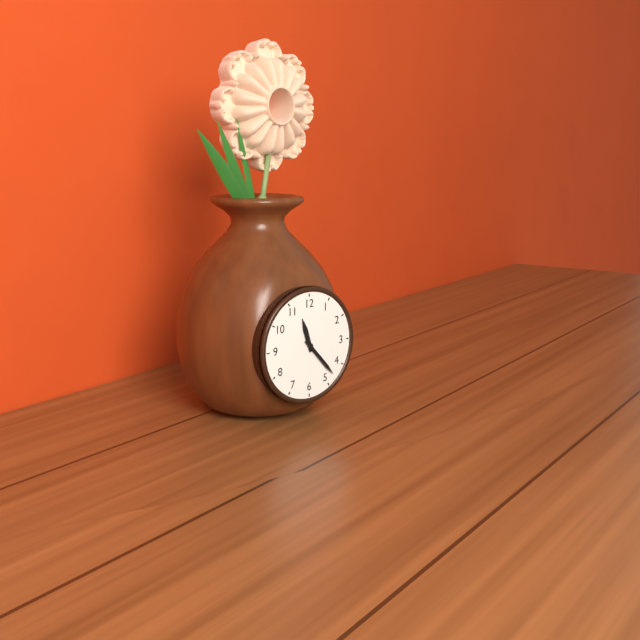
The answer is 11:23
